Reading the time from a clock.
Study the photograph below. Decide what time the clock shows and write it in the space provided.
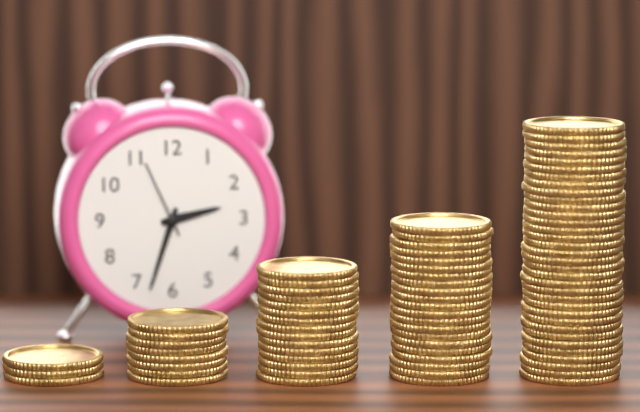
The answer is 2:33:56
